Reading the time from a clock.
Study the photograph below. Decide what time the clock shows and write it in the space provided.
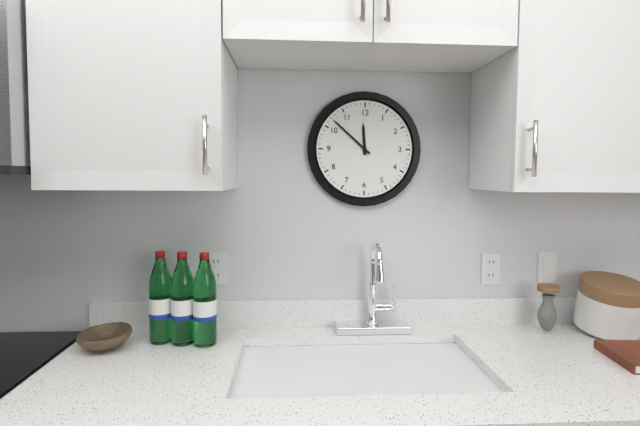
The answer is 11:52
